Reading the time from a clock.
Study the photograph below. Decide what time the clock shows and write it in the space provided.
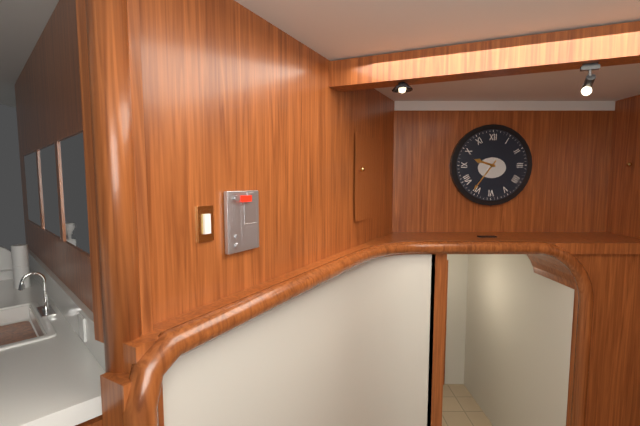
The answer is 9:36
